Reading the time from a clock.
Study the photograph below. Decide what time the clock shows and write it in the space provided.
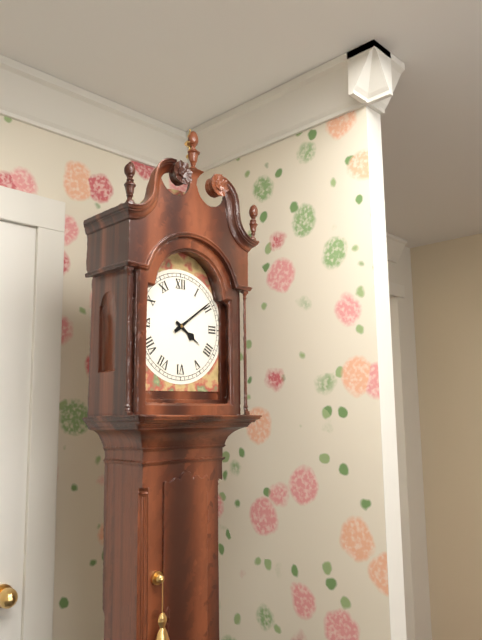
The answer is 4:09
